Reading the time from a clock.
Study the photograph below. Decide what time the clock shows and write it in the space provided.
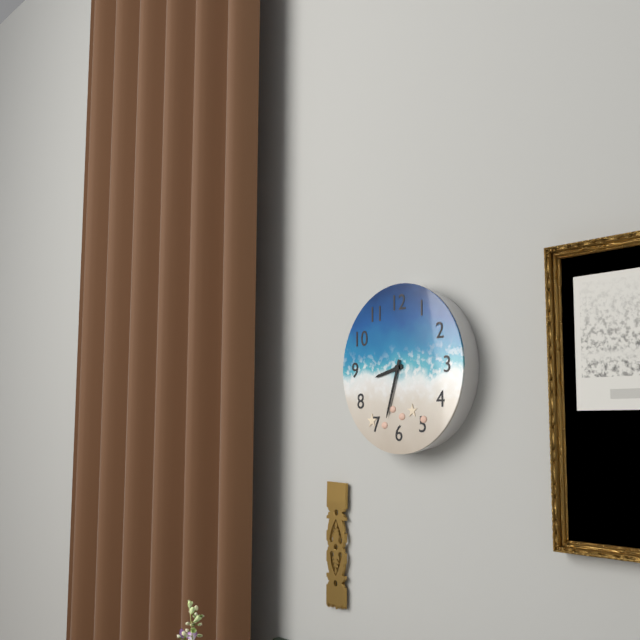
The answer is 8:33
